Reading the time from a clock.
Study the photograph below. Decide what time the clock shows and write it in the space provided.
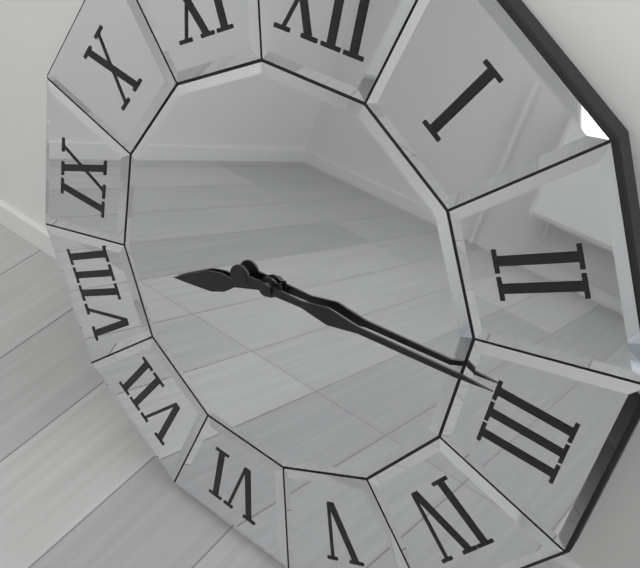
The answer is 8:14
